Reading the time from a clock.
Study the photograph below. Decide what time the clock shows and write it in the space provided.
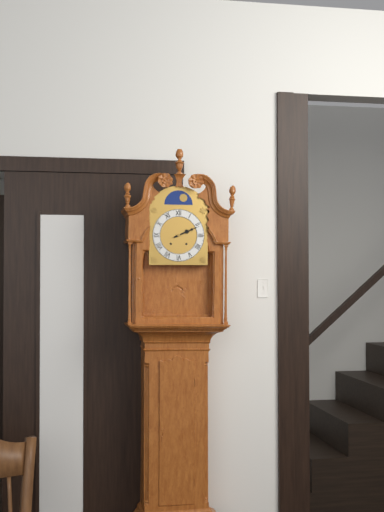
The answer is 2:11
